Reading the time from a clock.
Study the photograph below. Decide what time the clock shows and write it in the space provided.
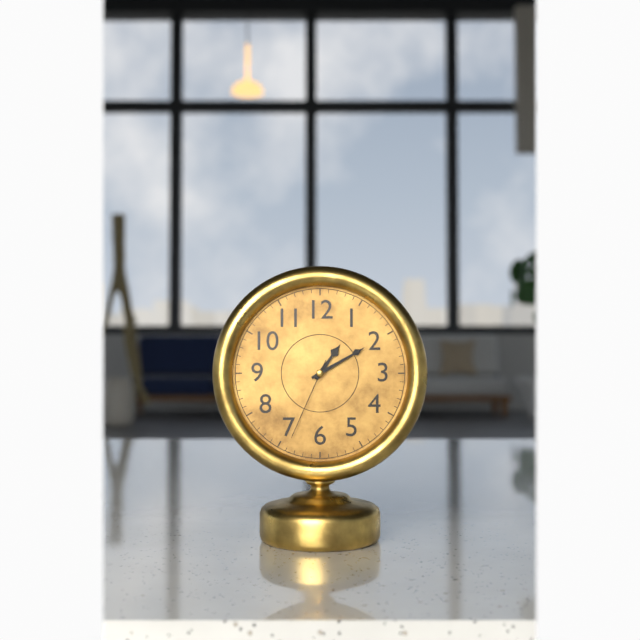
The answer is 1:10:34
